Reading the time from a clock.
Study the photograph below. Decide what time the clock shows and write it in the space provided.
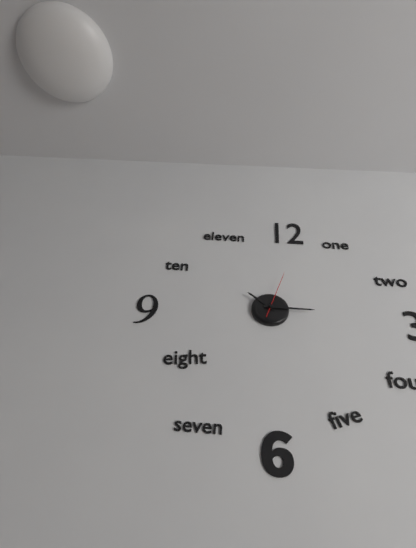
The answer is 10:15:03
